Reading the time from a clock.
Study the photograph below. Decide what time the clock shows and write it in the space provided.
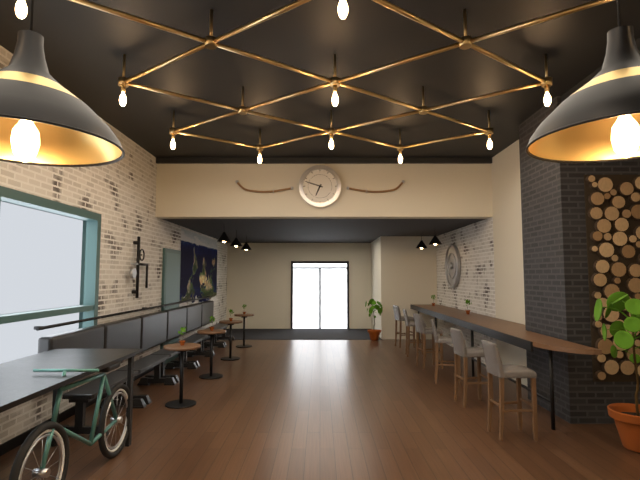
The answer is 6:48
